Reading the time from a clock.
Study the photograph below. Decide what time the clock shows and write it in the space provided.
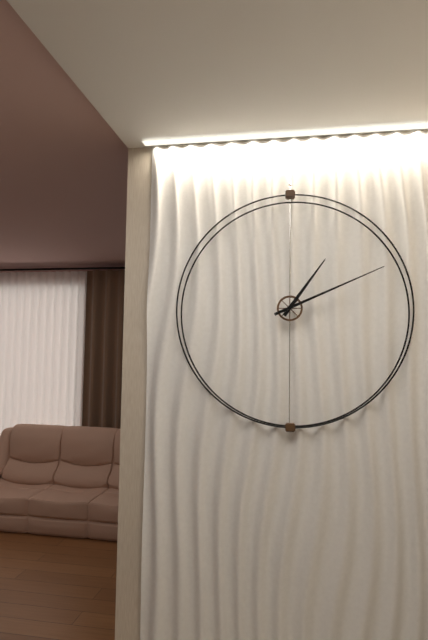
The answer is 1:11
